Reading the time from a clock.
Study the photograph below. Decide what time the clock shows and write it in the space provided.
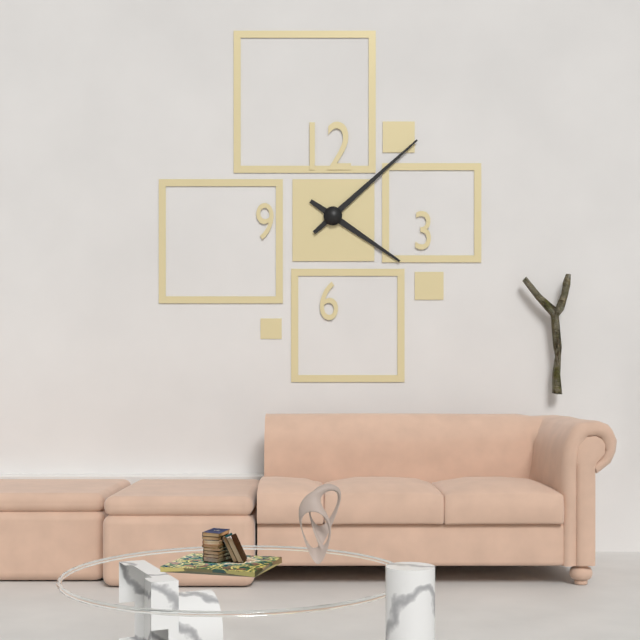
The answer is 4:08
